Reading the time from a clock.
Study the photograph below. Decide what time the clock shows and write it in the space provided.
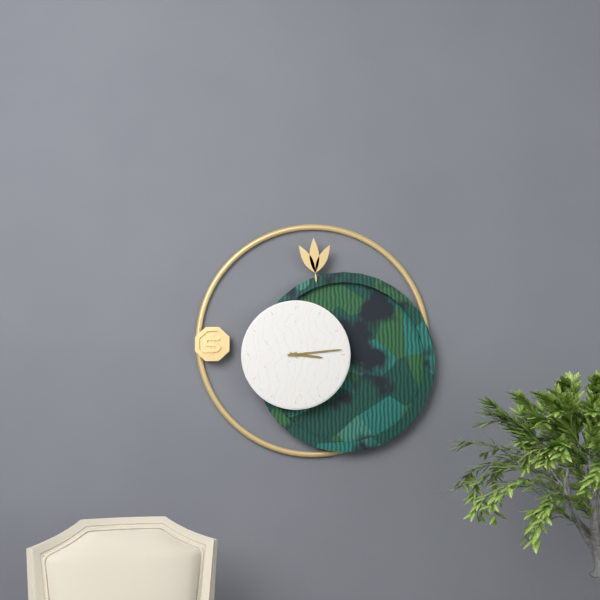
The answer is 3:14
